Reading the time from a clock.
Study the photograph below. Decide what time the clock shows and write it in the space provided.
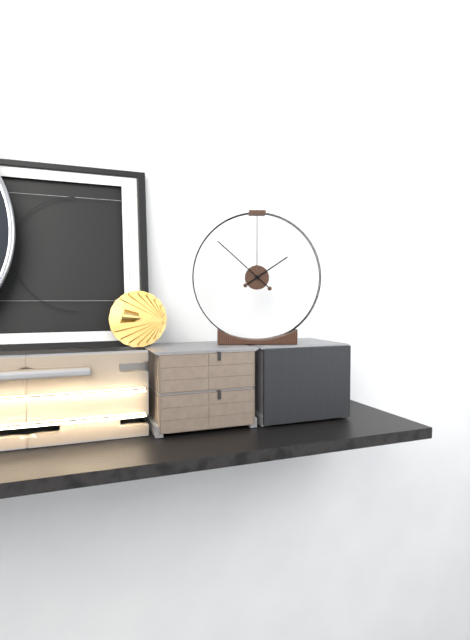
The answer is 1:52
